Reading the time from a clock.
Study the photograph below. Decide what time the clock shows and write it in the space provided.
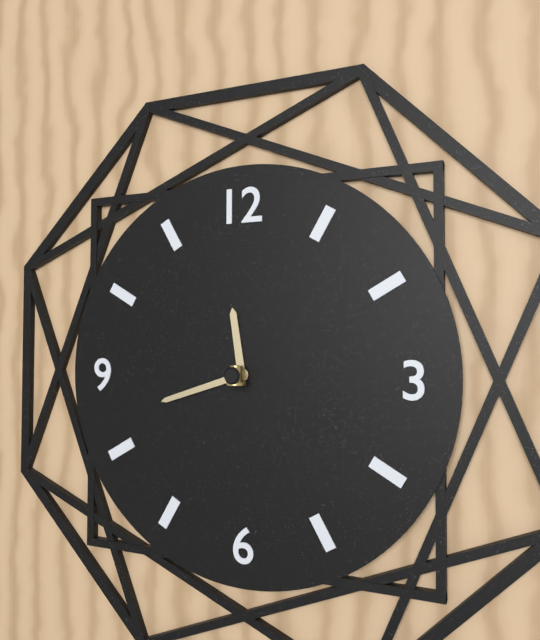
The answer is 11:42
